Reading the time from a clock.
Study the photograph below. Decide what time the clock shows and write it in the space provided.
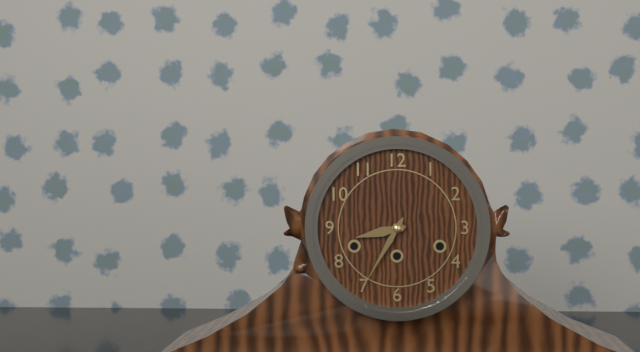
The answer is 8:35
